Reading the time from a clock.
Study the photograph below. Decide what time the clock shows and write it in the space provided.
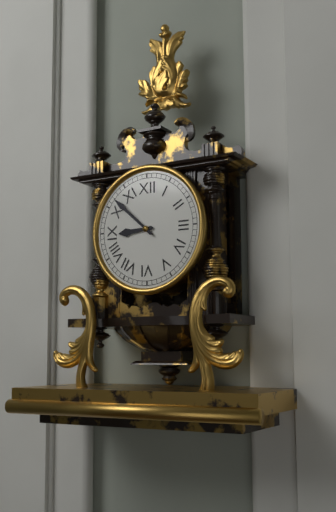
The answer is 8:52
